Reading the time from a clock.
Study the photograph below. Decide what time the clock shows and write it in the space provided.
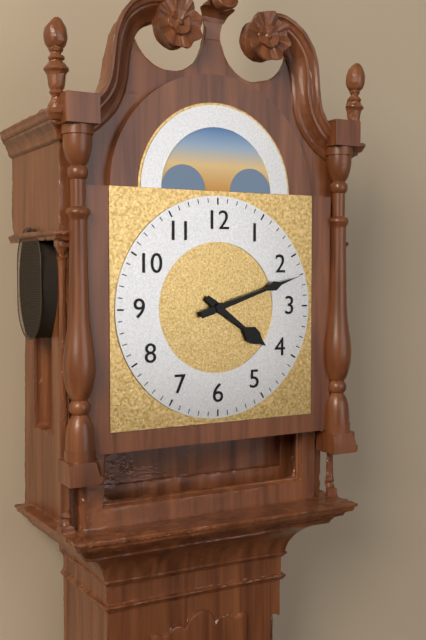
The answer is 4:12
